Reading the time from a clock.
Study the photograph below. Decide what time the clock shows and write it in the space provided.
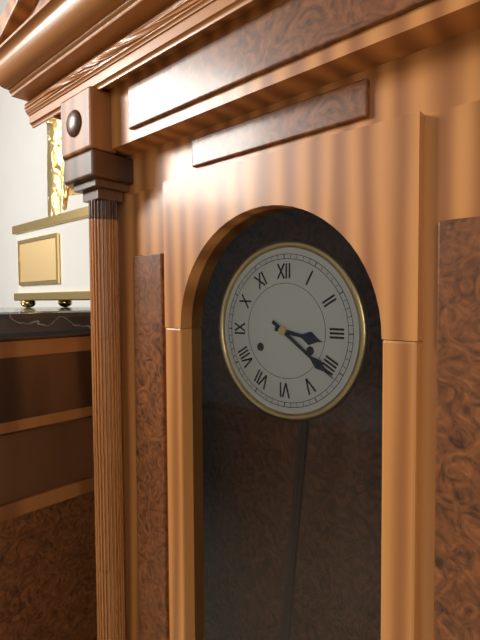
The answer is 3:21
